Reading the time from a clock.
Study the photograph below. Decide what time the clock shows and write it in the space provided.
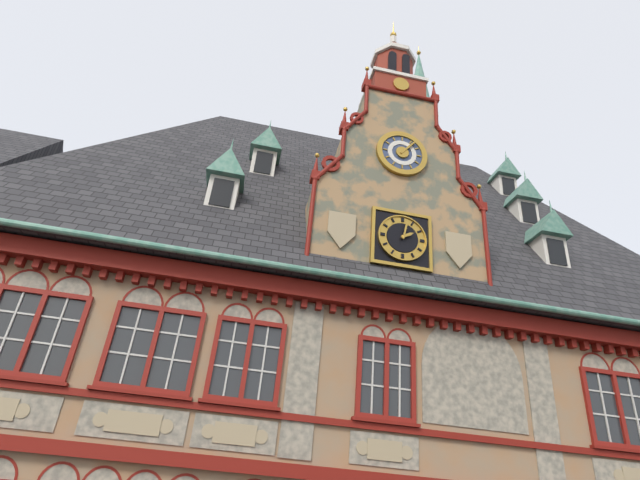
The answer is 2:02
